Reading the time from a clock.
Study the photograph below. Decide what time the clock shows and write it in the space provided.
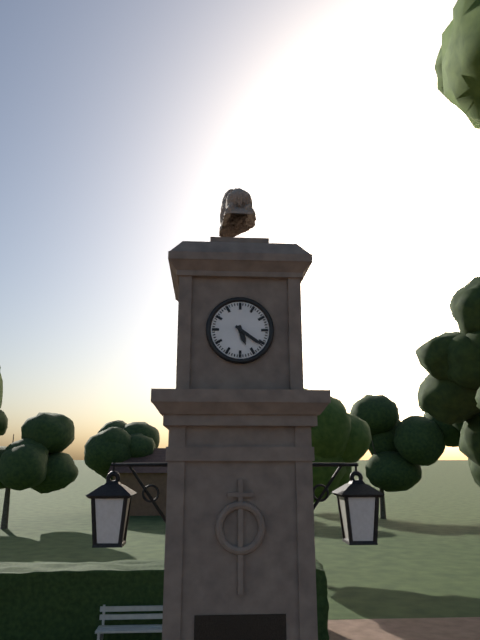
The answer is 5:21
